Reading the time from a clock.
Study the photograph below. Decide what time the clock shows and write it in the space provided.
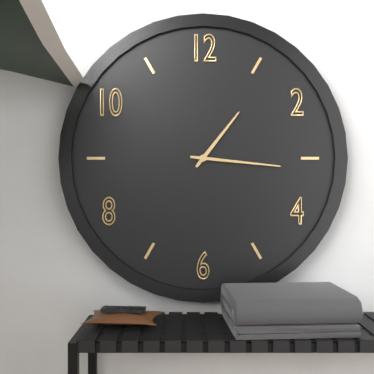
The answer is 1:16
